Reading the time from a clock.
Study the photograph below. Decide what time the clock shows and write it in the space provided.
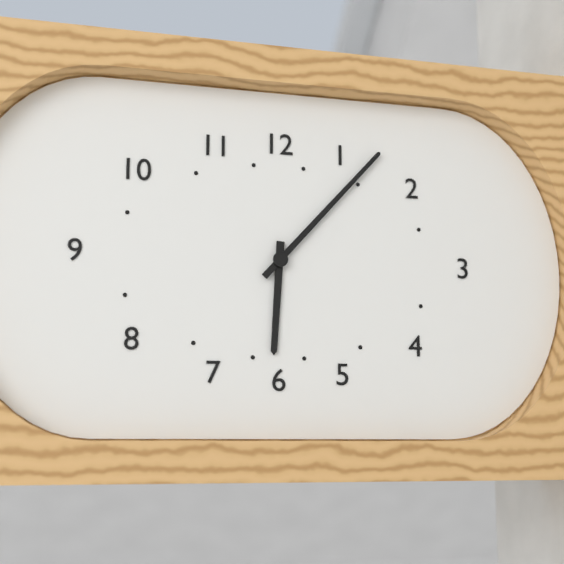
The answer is 6:07
